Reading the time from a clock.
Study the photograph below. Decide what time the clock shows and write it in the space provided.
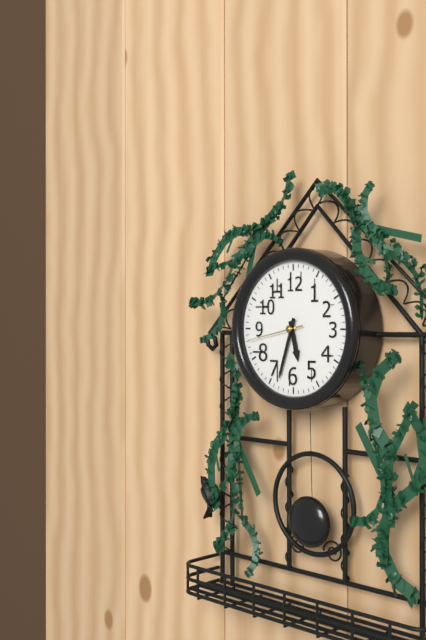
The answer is 5:33:43
